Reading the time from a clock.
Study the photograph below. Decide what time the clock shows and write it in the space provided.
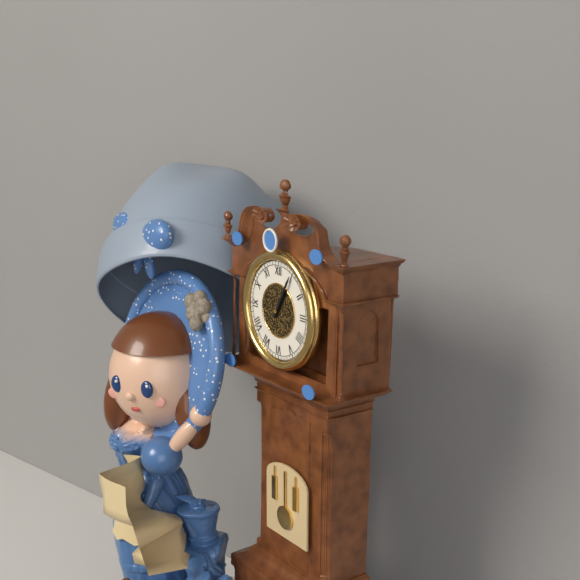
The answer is 1:05
